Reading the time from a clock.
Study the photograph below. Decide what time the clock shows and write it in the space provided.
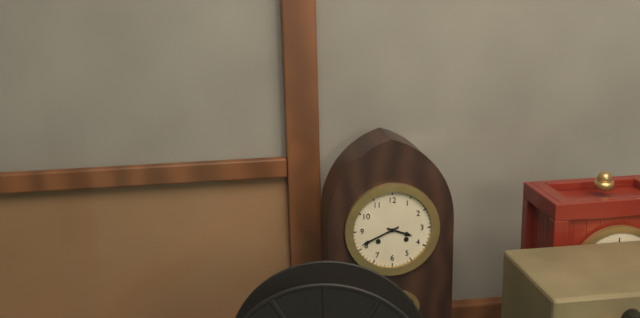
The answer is 3:41
